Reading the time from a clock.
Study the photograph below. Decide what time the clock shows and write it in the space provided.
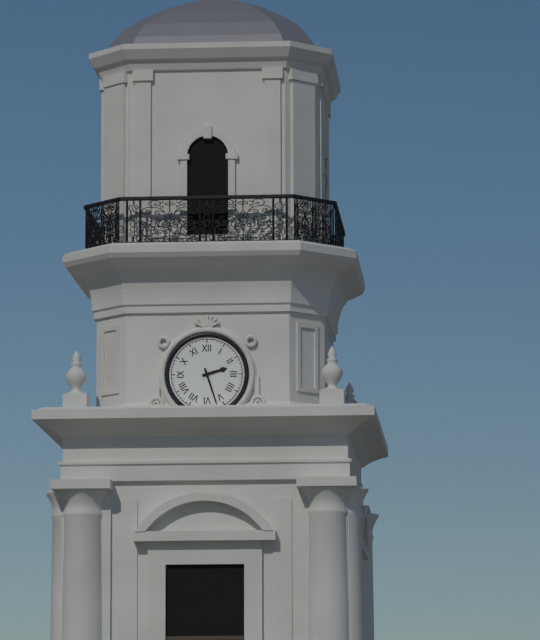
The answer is 2:27
